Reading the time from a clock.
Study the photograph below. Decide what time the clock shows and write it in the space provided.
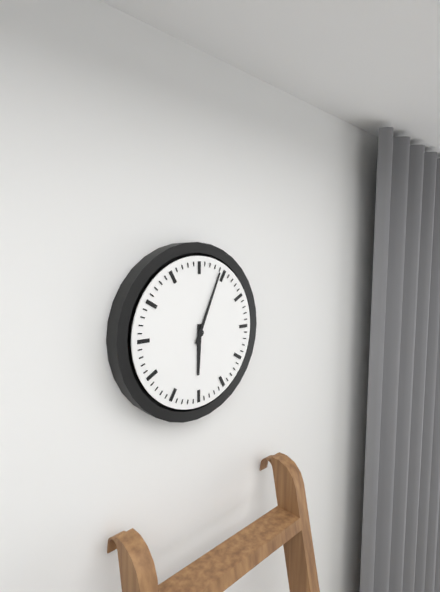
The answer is 6:04
